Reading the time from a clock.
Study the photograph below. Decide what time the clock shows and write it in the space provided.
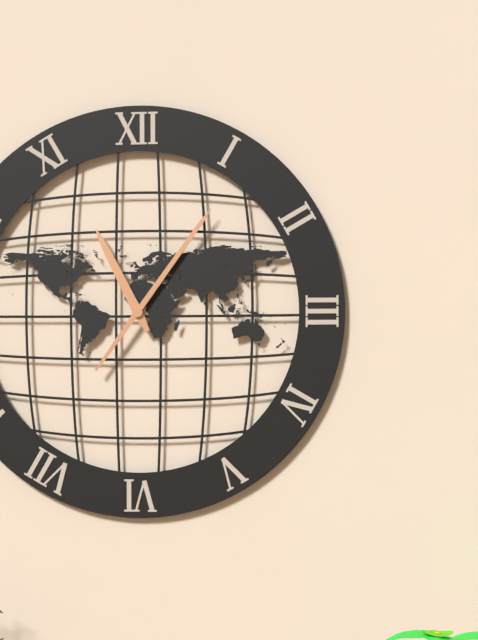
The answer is 11:06
